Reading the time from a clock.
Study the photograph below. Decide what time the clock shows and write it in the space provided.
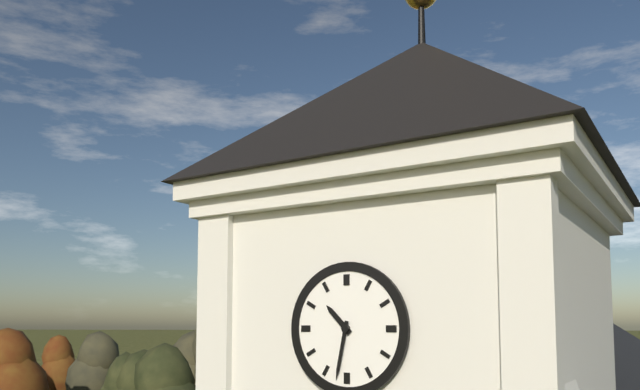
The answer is 10:32
